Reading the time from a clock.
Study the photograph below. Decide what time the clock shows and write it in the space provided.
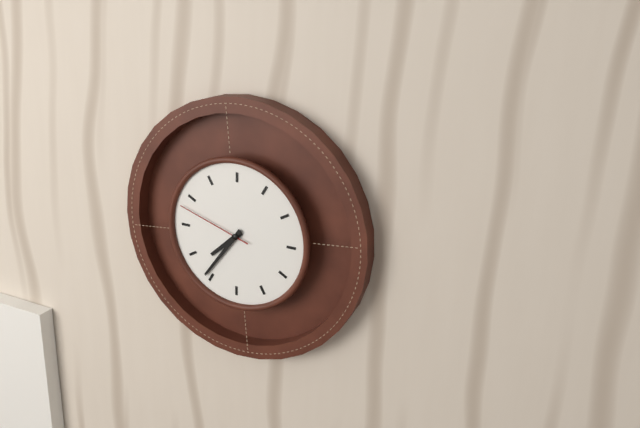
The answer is 7:36:48
